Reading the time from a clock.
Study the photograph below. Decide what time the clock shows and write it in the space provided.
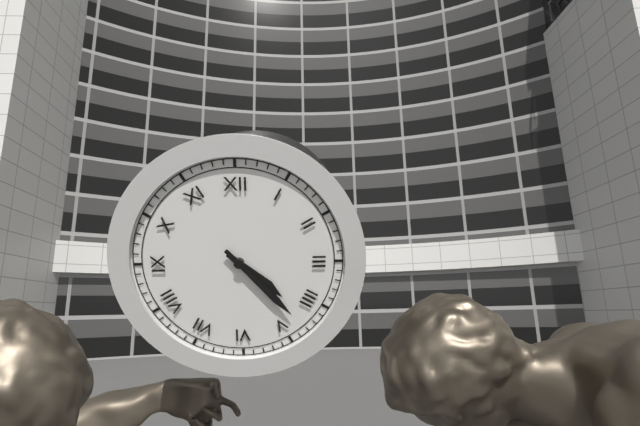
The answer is 4:23
